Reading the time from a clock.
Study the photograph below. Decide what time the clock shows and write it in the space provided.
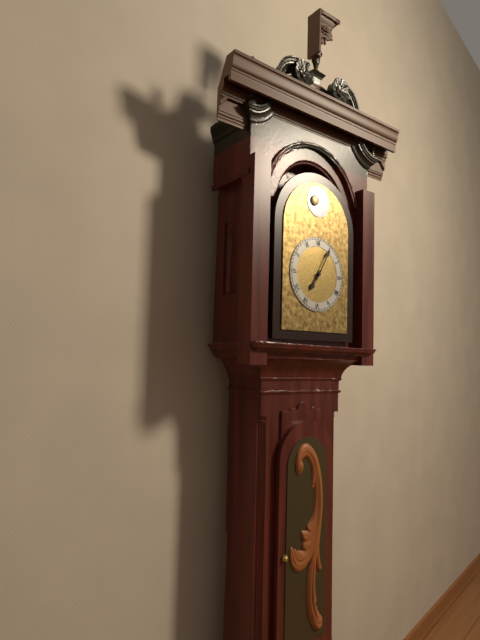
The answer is 7:05
